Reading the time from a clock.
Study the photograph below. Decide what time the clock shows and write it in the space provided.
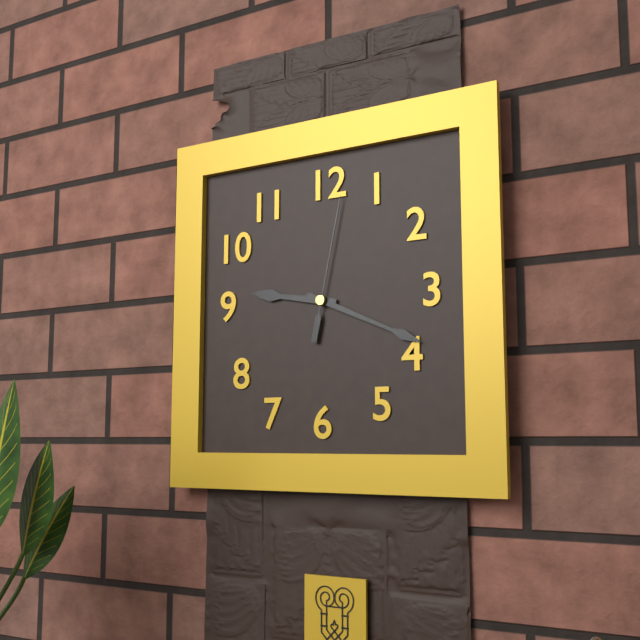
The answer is 9:19:02
